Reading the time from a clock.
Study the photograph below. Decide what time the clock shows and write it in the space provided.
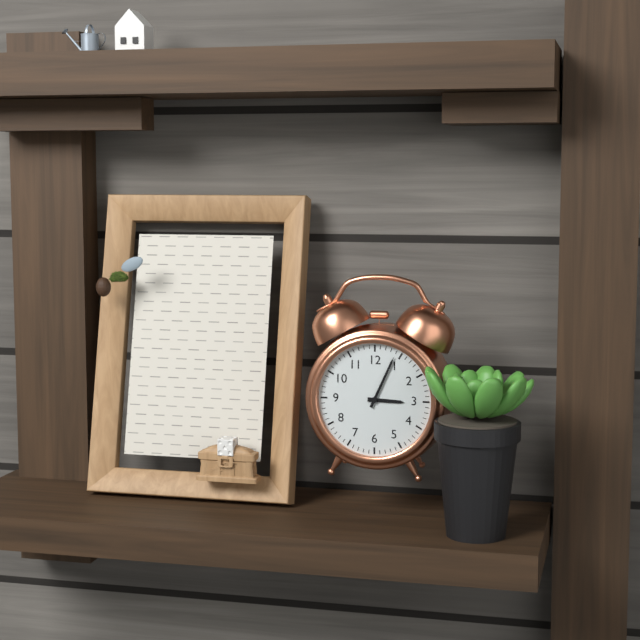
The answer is 3:04
